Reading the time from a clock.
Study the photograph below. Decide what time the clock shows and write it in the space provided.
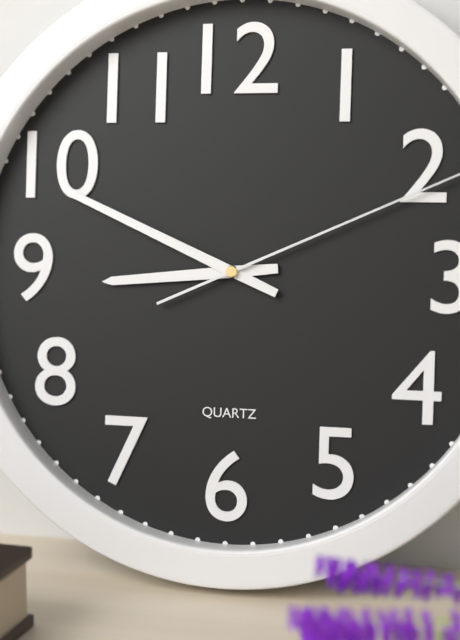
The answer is 8:49
